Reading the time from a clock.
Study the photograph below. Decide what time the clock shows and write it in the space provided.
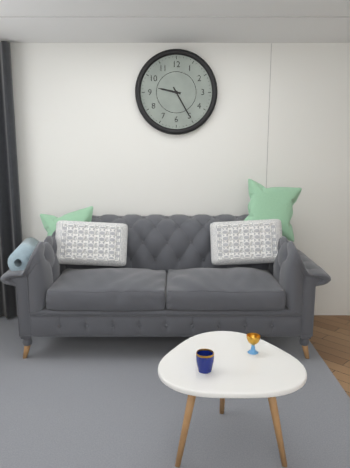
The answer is 9:25
